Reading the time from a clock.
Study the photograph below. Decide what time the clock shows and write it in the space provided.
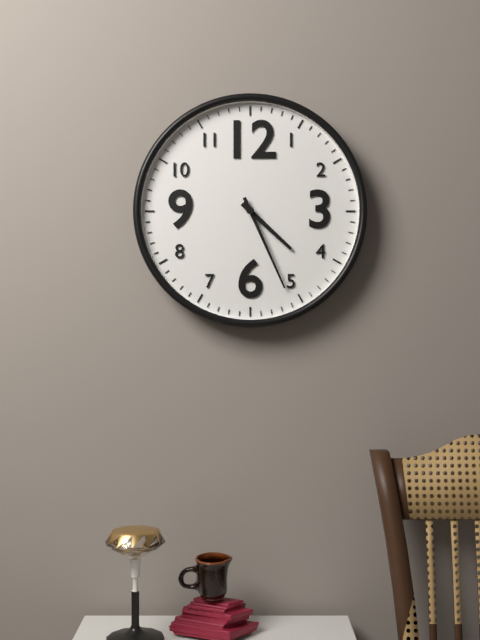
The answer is 4:26
